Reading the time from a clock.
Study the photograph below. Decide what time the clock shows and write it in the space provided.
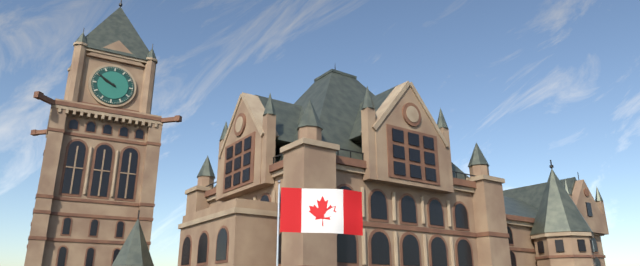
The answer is 9:50
